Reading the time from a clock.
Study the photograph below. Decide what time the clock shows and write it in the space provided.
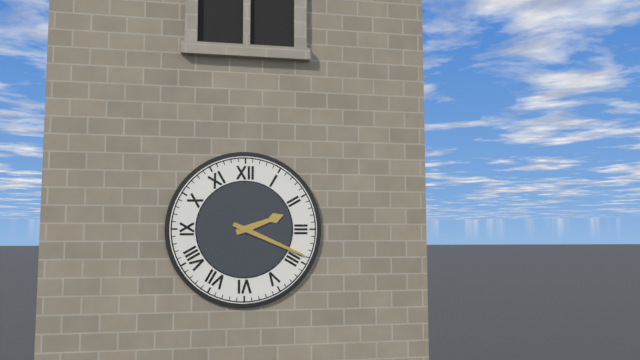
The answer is 2:19
